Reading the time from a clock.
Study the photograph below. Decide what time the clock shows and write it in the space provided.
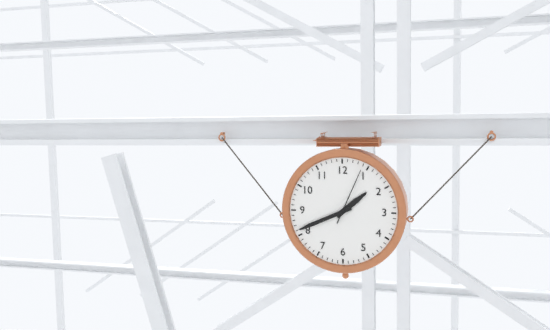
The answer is 1:41:04
